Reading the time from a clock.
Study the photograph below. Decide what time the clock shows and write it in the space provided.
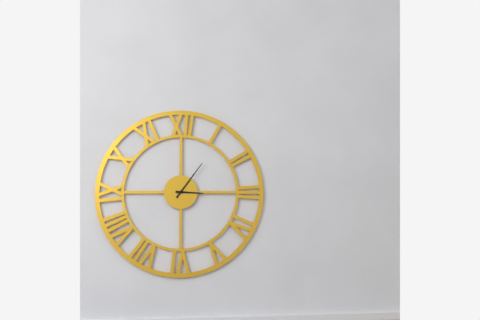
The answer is 3:06
